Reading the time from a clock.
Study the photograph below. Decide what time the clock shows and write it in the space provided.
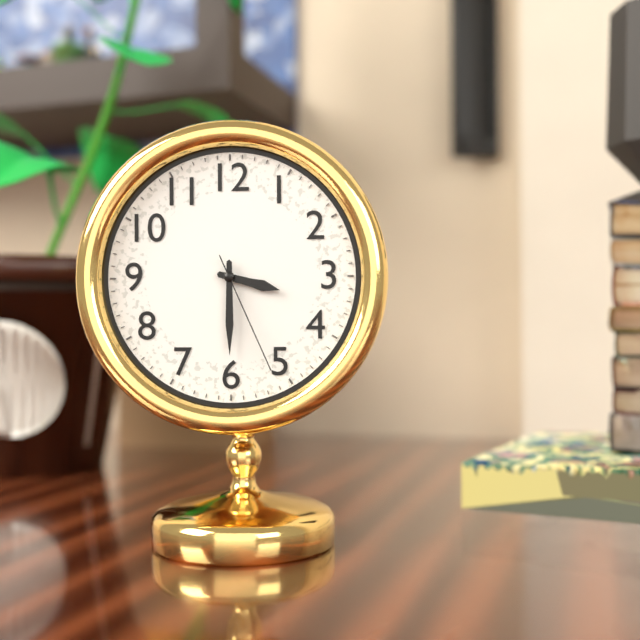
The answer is 3:30:26
